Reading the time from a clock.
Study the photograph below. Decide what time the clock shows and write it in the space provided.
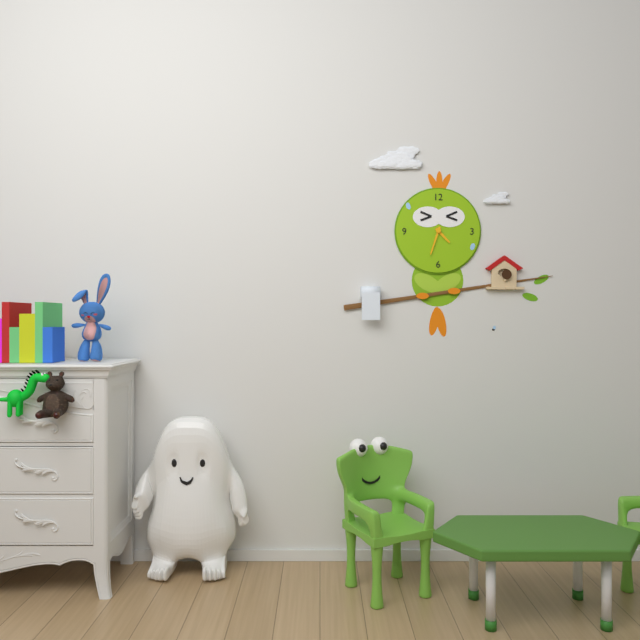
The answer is 4:33
